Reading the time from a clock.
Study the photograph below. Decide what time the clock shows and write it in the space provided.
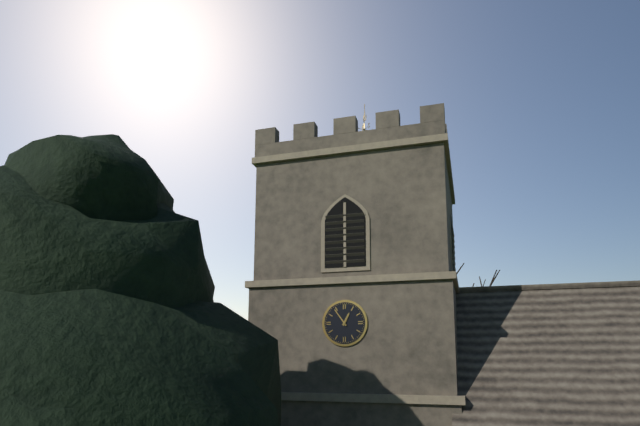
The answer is 12:54
